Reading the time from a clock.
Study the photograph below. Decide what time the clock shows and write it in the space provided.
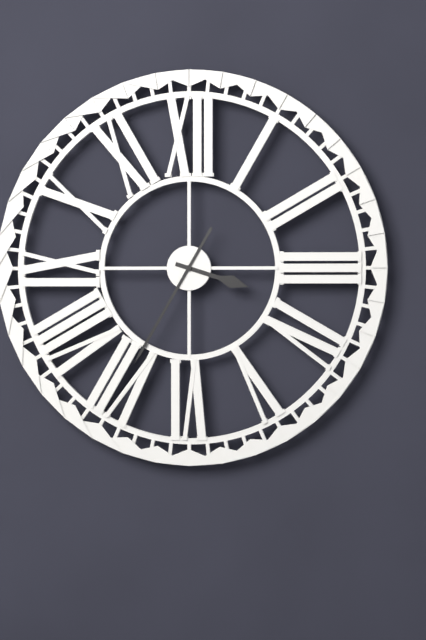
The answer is 3:35
